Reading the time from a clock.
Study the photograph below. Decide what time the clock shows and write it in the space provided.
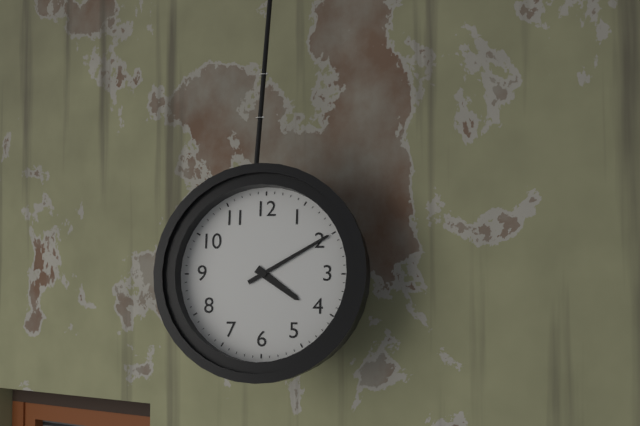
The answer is 4:10
